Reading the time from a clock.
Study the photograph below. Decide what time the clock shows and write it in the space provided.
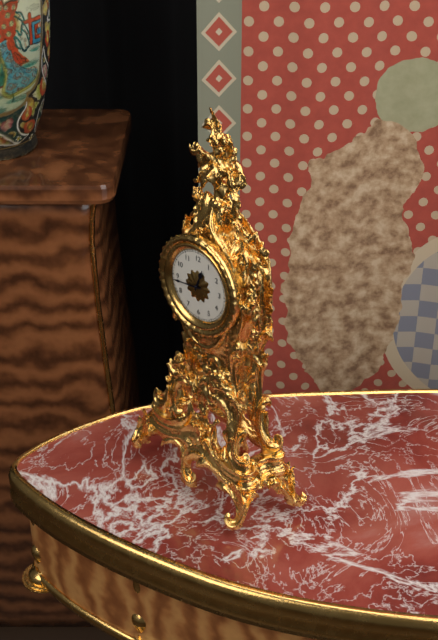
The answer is 12:44
